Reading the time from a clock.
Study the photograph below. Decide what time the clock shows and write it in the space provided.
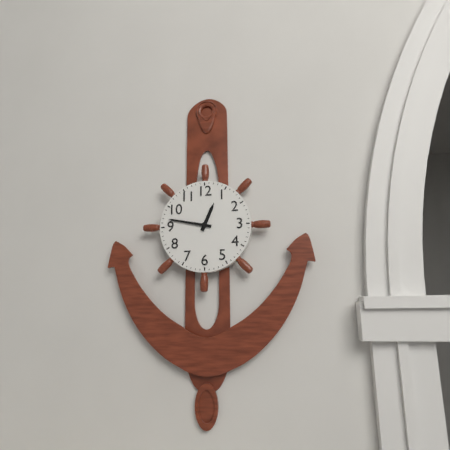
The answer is 12:47
